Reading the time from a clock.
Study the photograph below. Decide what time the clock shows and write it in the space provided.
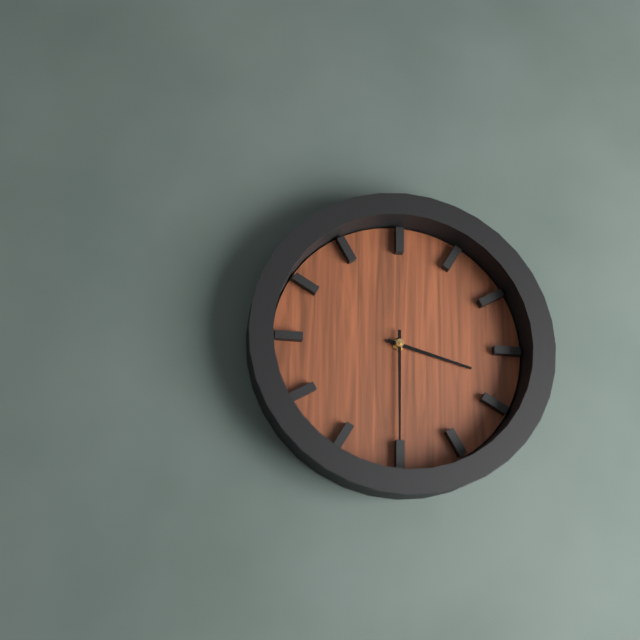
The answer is 3:30
